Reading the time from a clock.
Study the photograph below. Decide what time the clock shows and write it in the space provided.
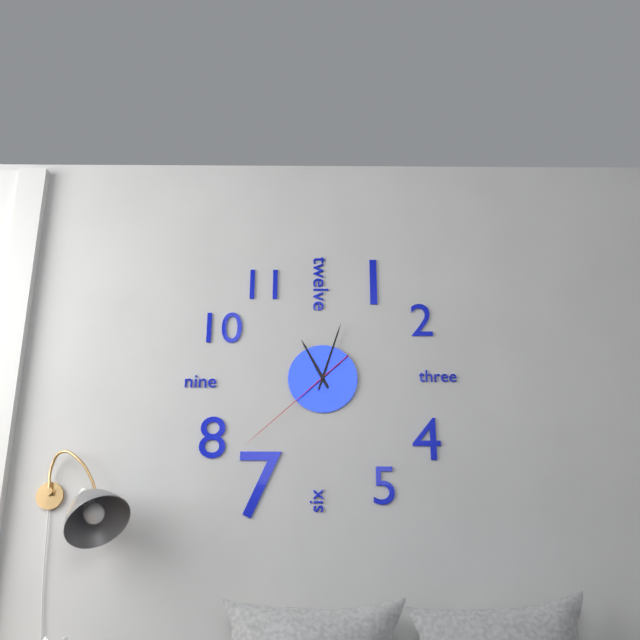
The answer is 11:03:38
